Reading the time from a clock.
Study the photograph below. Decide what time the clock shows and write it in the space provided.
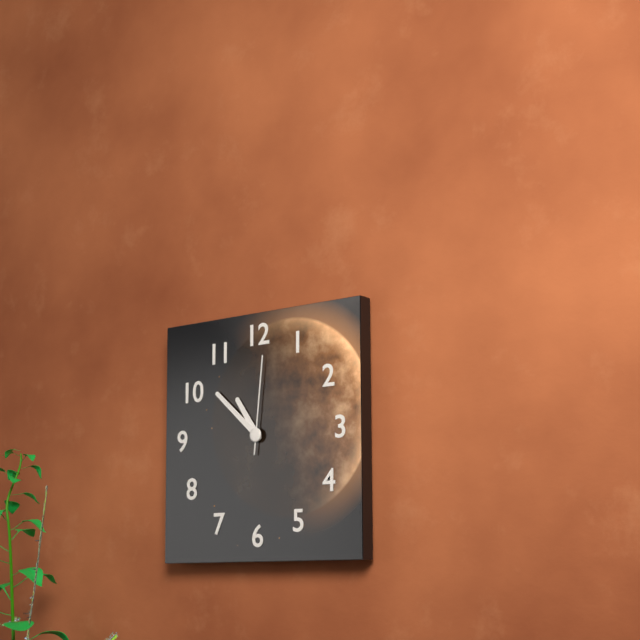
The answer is 10:52:01
